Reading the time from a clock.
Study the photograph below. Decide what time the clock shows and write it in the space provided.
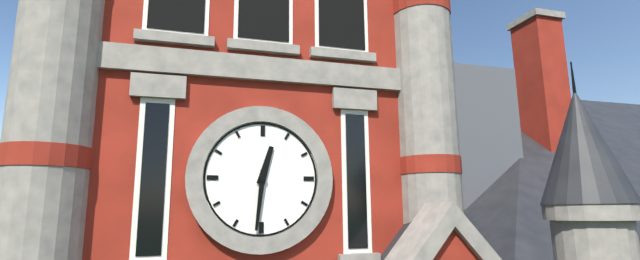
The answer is 12:31
